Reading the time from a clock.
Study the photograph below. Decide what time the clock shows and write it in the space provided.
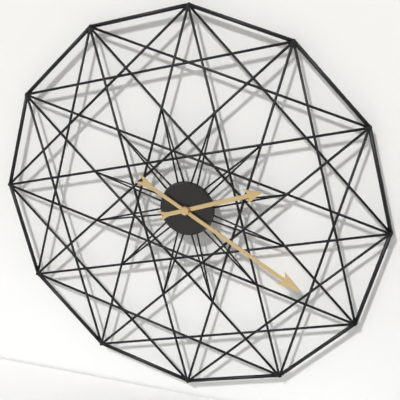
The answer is 2:20
